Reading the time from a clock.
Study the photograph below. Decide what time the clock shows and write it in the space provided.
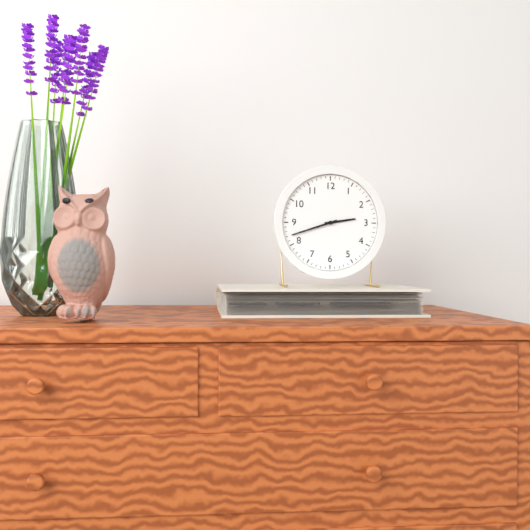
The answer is 2:42
